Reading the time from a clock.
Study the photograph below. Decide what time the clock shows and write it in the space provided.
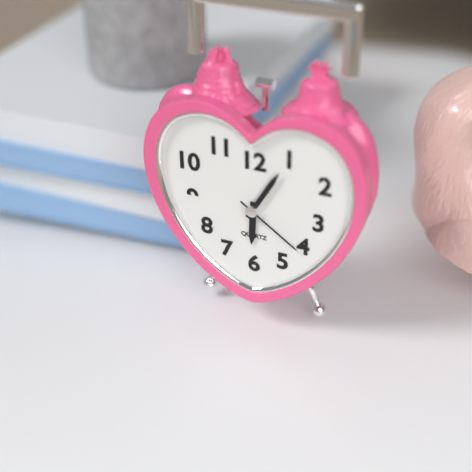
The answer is 6:05:21
